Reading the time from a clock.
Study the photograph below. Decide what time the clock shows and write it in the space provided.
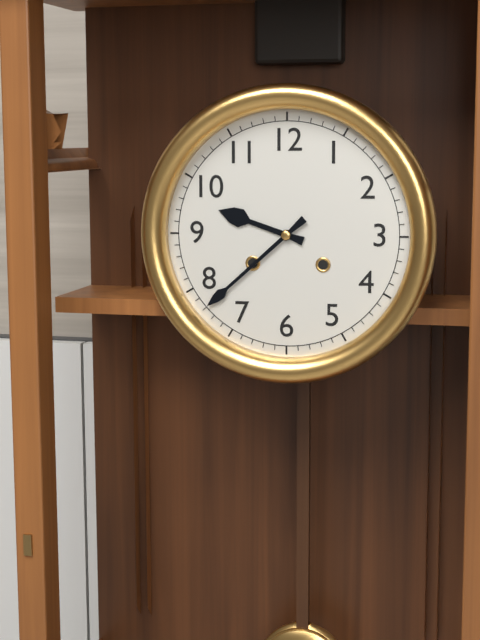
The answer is 9:38
